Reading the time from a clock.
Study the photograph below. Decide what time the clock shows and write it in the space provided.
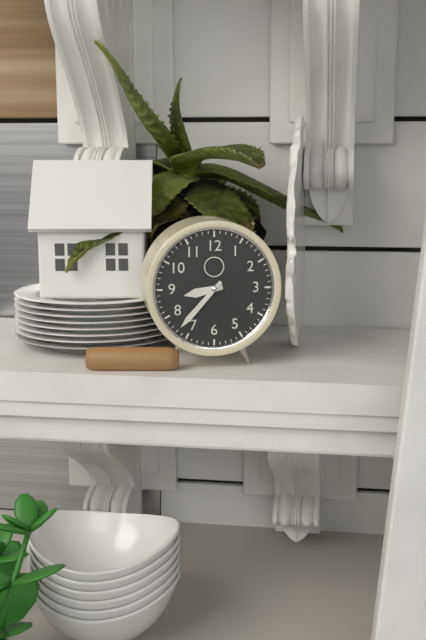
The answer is 8:37
